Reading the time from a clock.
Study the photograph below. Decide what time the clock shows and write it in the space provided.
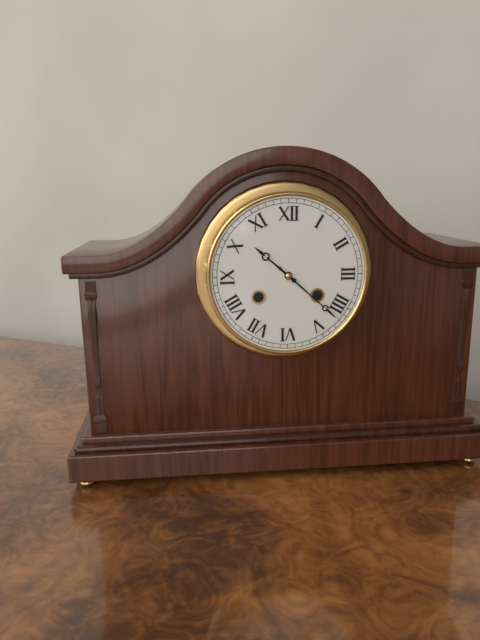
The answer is 10:22
